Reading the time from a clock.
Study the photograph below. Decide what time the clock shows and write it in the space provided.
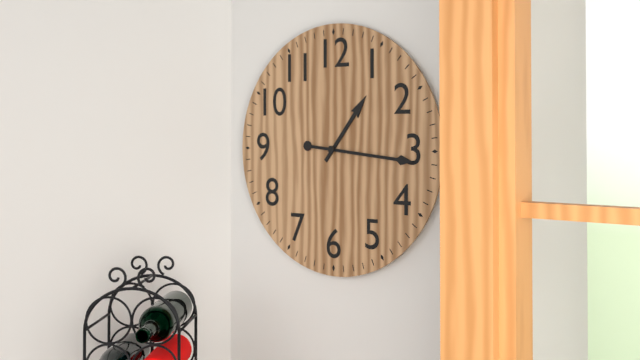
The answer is 1:16
